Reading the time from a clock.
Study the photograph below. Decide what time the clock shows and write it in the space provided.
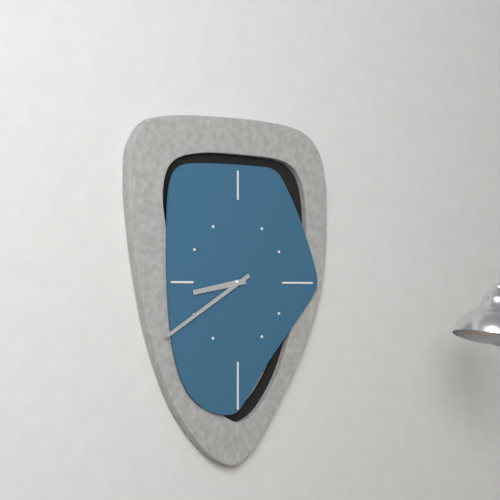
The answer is 8:40
